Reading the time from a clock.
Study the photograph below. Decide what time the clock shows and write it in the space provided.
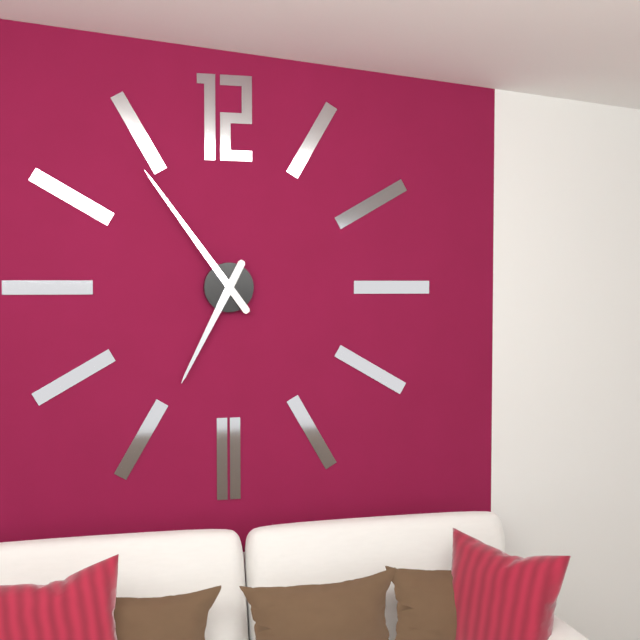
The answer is 6:54
